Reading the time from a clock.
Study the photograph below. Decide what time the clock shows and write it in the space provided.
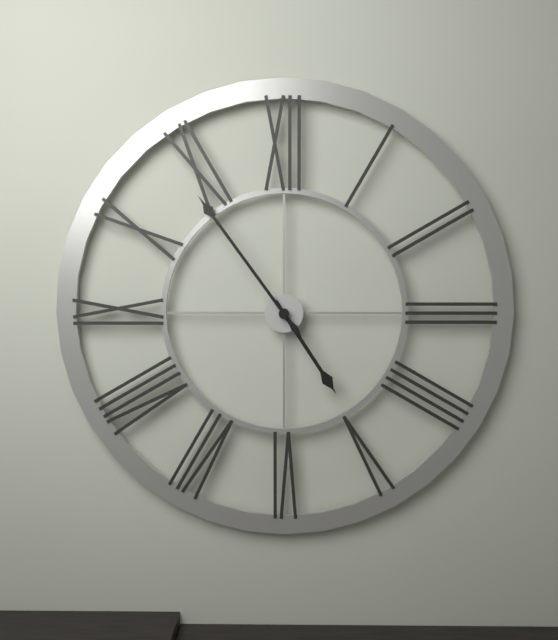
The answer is 4:54
